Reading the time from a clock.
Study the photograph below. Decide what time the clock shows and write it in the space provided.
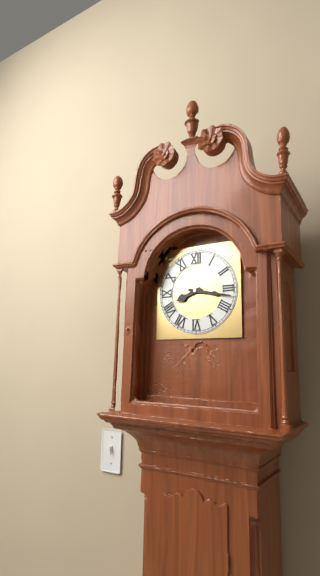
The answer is 8:17
